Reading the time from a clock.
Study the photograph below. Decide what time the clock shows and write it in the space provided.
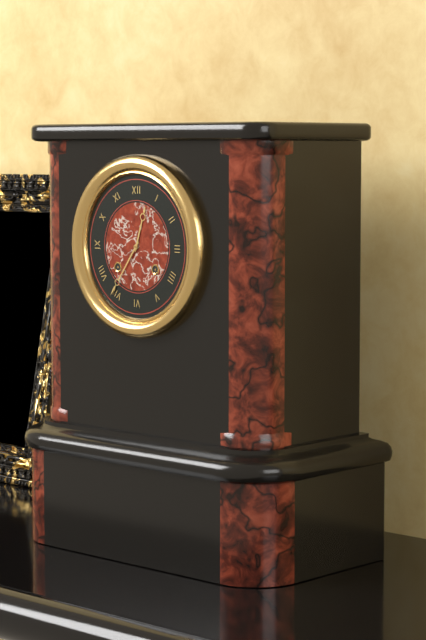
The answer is 12:36
